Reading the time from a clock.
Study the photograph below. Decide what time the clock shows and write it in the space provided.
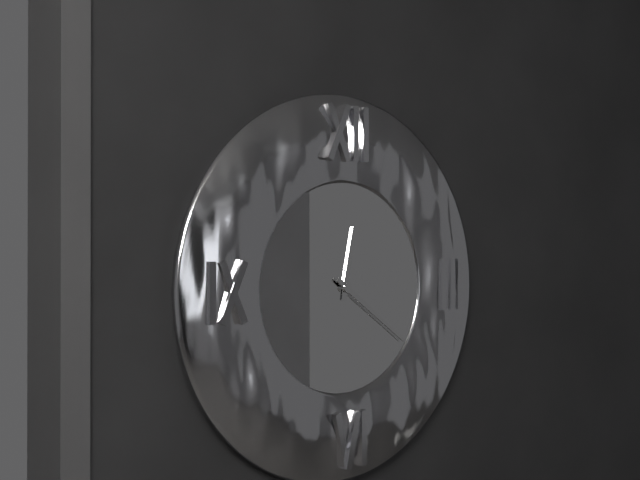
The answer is 12:21
